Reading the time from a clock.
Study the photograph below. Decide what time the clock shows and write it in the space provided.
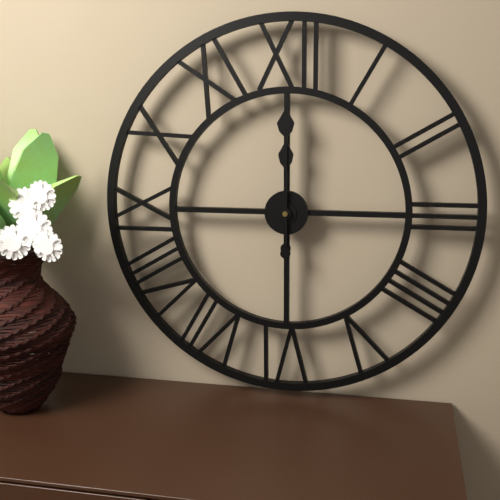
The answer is 12:00
